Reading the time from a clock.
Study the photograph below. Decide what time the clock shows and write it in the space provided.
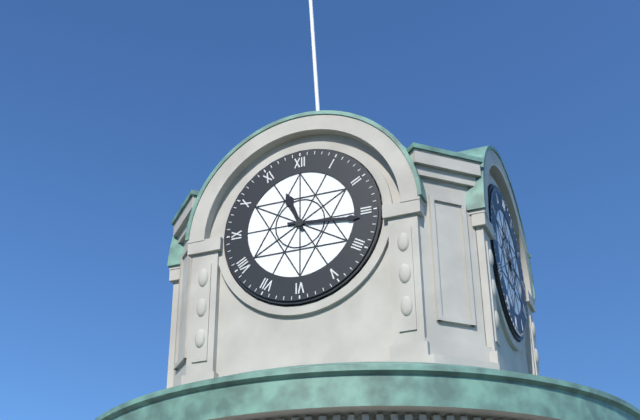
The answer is 11:16
